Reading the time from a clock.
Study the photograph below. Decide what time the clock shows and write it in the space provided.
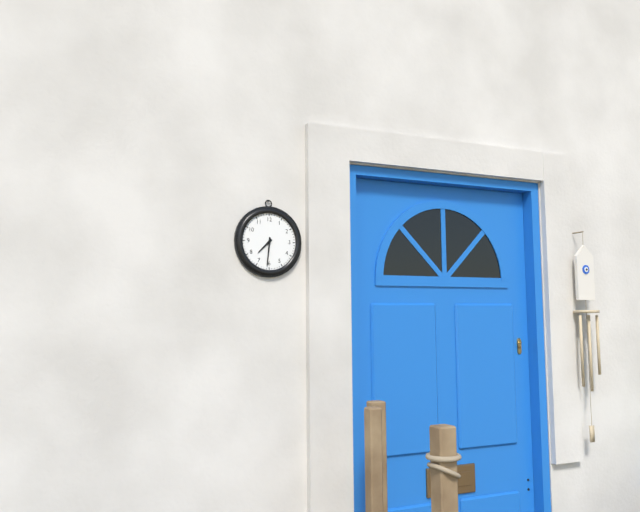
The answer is 7:31
